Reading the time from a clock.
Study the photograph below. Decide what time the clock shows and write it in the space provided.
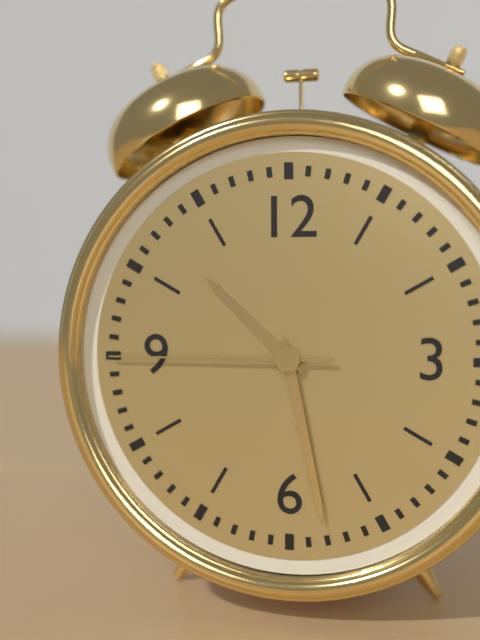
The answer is 10:28:45
